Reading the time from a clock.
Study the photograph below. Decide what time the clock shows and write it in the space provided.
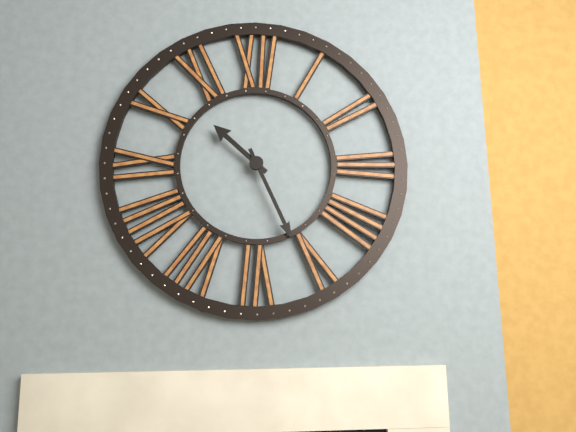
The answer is 10:26
